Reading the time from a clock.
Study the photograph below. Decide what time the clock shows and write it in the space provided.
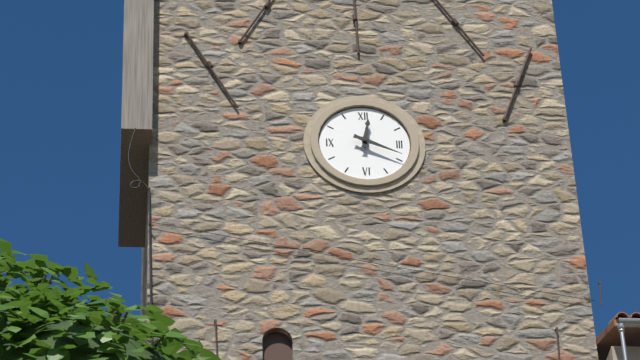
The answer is 12:19
